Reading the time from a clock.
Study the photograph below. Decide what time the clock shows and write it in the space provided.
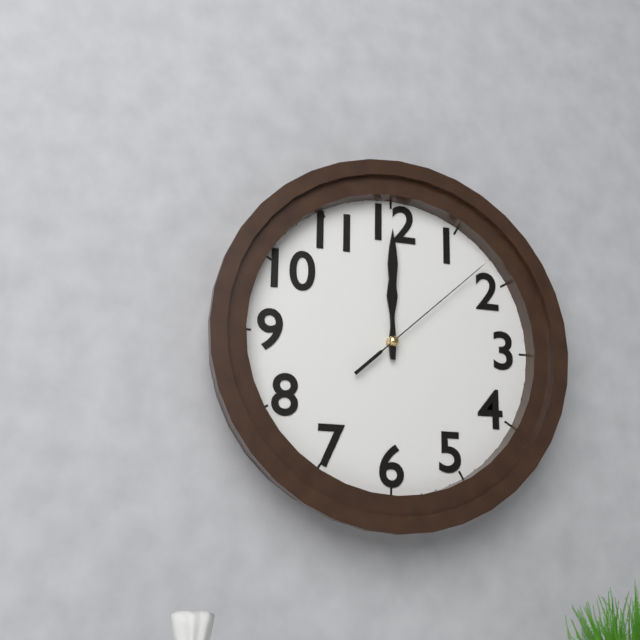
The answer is 12:00:08
